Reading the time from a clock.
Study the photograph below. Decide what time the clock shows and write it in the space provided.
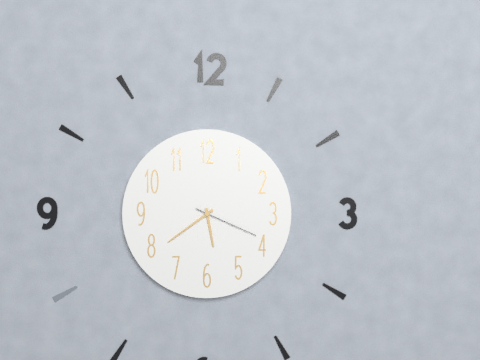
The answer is 5:39:19
